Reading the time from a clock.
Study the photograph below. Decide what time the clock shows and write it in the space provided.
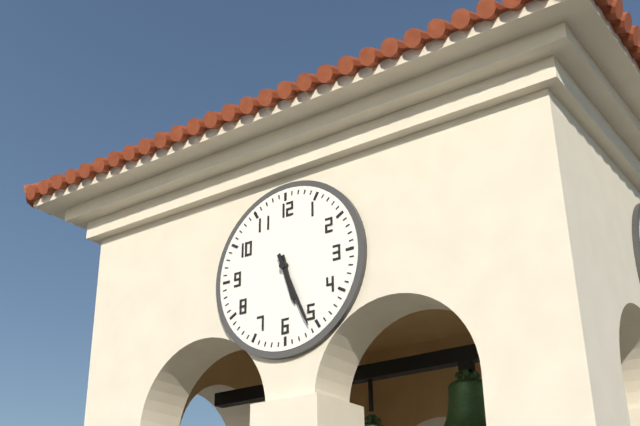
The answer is 5:26
